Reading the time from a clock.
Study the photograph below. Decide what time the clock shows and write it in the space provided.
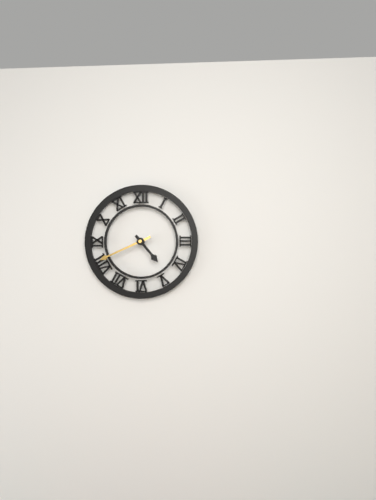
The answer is 4:41
